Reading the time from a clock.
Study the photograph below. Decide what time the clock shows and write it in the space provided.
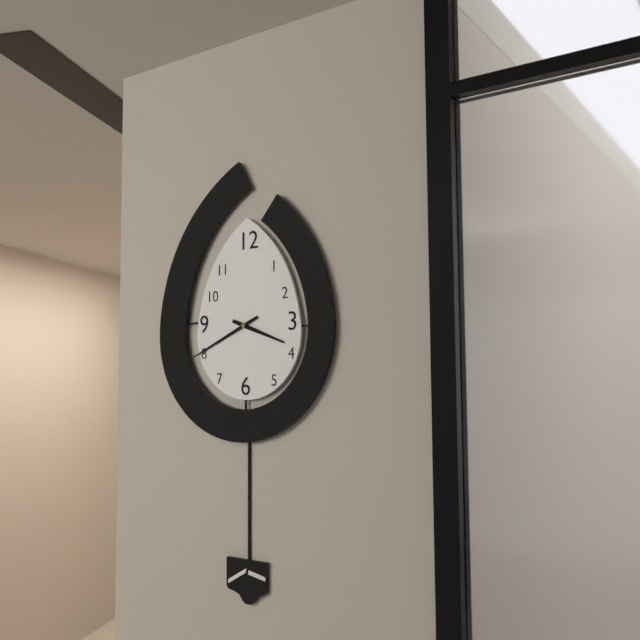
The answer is 3:41
